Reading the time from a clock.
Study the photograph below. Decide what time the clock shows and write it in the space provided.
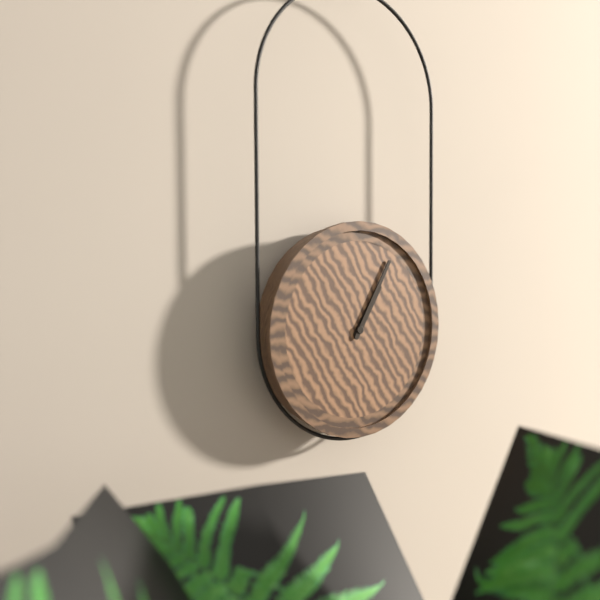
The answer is 1:05
